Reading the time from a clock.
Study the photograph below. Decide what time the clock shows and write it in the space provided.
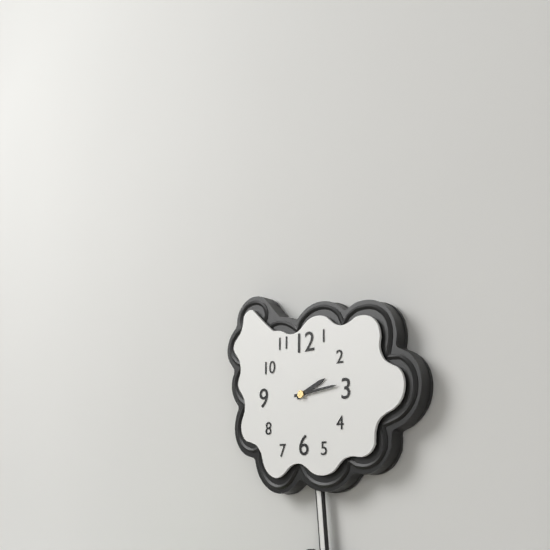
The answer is 2:14
